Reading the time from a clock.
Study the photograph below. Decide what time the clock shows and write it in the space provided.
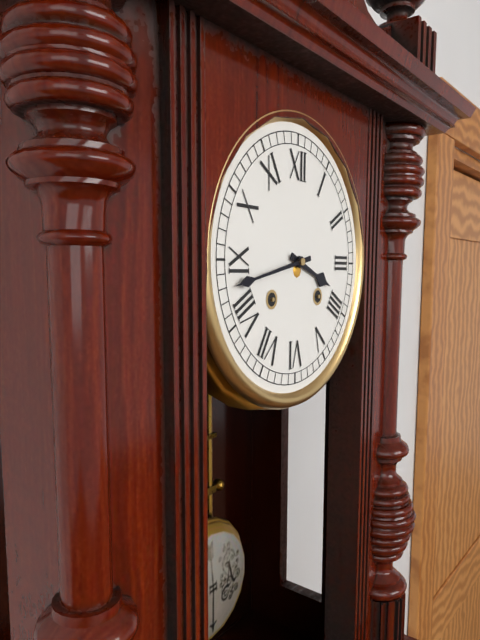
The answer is 3:43
